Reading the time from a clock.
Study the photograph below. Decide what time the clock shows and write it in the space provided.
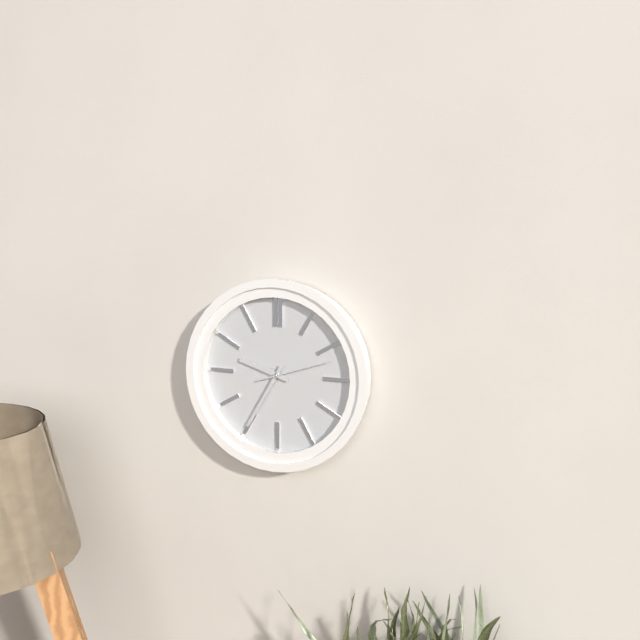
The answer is 9:35:12
